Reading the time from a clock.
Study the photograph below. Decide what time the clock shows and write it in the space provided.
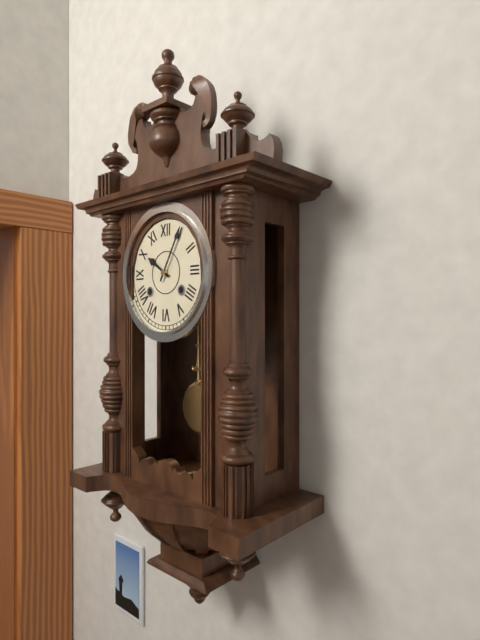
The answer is 10:05
